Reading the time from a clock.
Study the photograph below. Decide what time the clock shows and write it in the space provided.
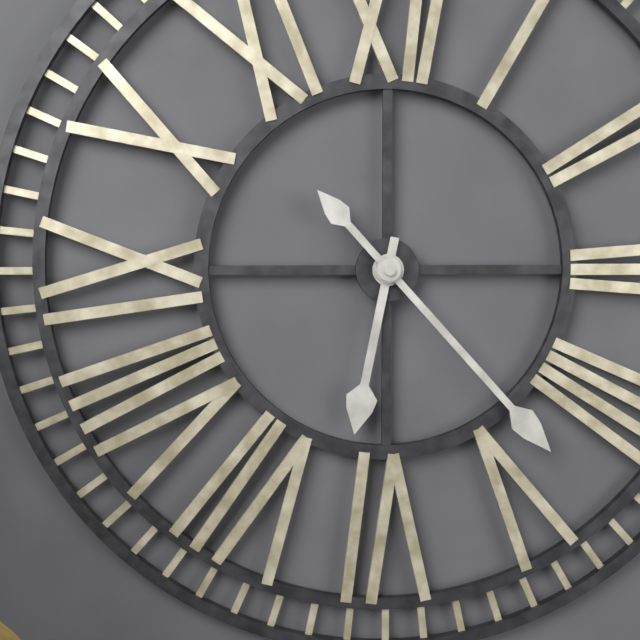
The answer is 6:23
